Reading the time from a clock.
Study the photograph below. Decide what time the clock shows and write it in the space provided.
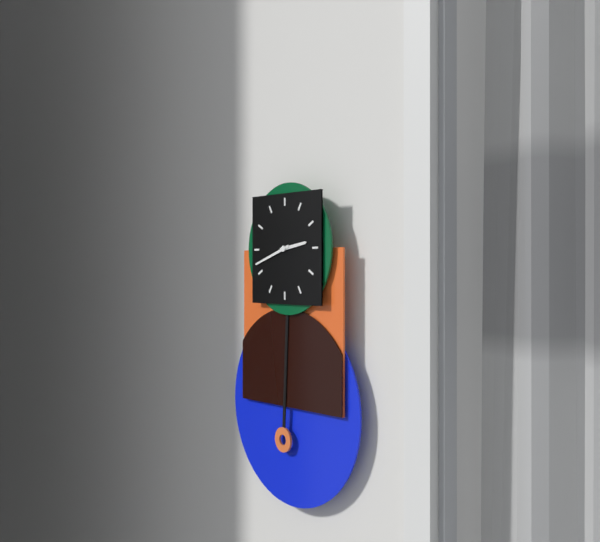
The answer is 2:42
